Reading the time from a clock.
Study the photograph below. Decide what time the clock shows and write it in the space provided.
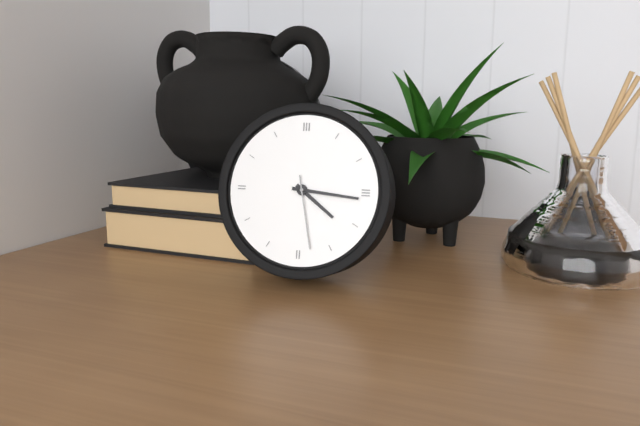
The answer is 4:16:28
